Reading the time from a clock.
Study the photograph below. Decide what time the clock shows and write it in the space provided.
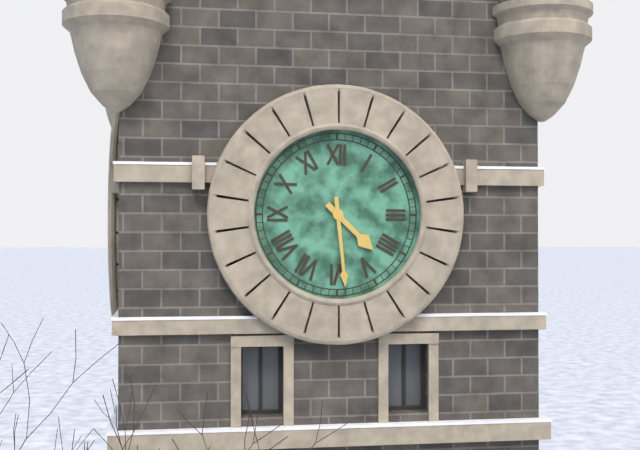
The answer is 4:29
